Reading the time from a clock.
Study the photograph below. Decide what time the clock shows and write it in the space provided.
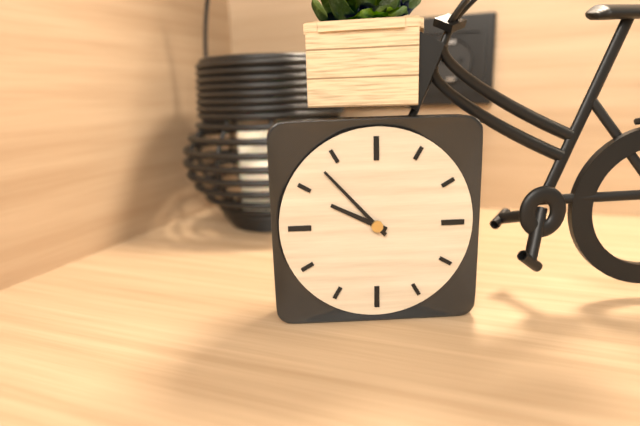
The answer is 9:53
